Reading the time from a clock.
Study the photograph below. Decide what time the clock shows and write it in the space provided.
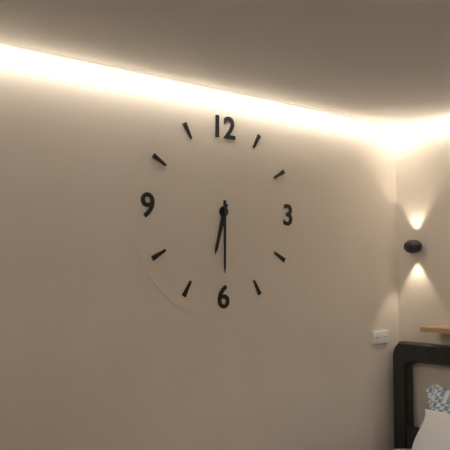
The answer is 6:30
